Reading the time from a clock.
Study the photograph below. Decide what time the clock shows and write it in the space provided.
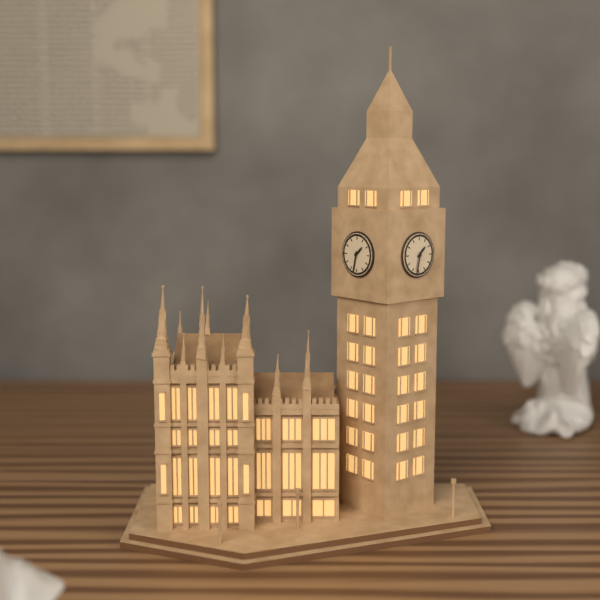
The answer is 1:32
